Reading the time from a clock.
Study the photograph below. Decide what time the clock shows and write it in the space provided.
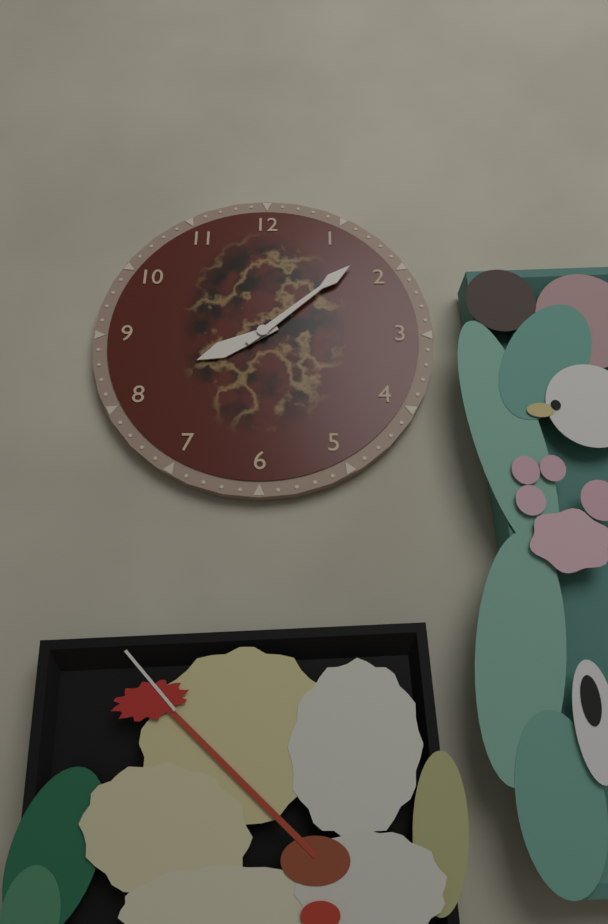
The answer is 8:08
